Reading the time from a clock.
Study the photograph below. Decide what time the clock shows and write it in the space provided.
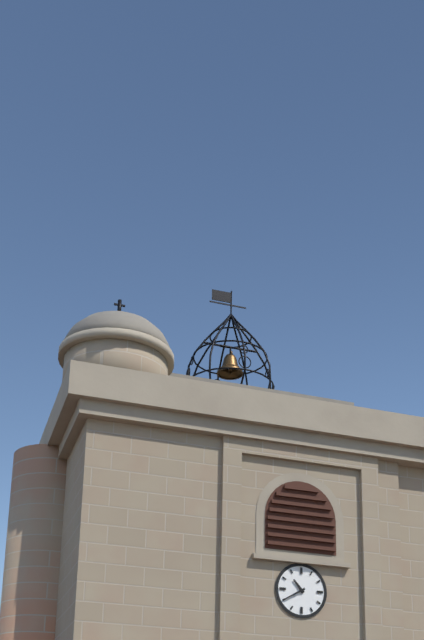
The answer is 10:40
